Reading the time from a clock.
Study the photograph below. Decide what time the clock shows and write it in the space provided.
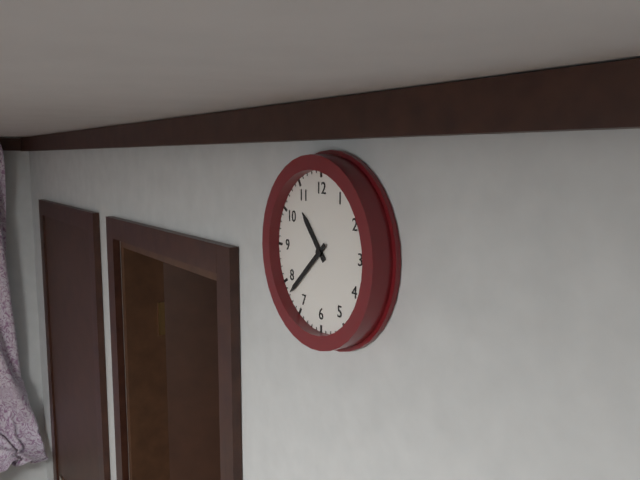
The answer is 10:38
